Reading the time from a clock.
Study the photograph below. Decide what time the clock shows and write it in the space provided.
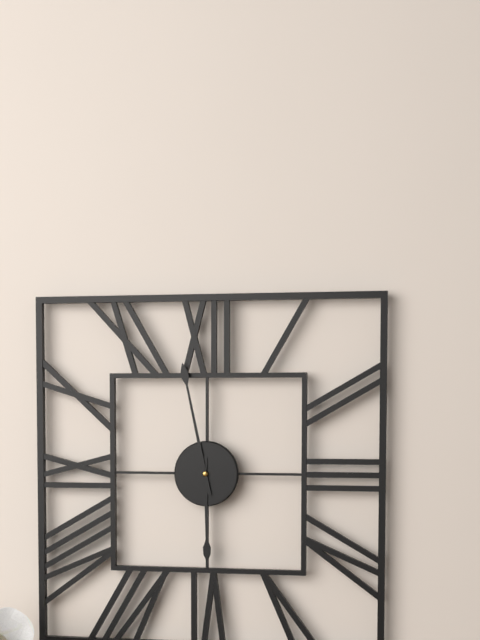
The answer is 5:58
